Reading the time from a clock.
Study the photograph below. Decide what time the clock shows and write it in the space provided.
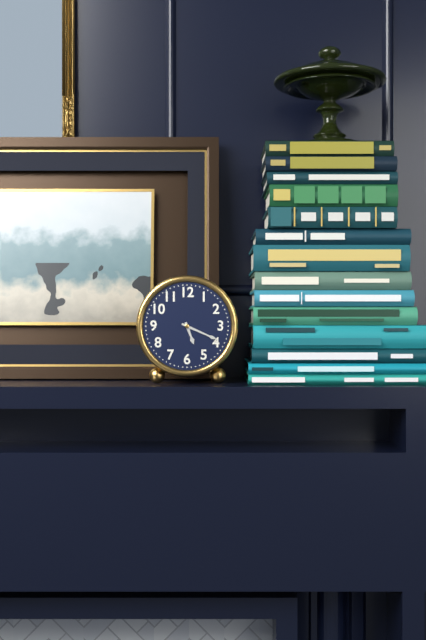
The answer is 5:19
